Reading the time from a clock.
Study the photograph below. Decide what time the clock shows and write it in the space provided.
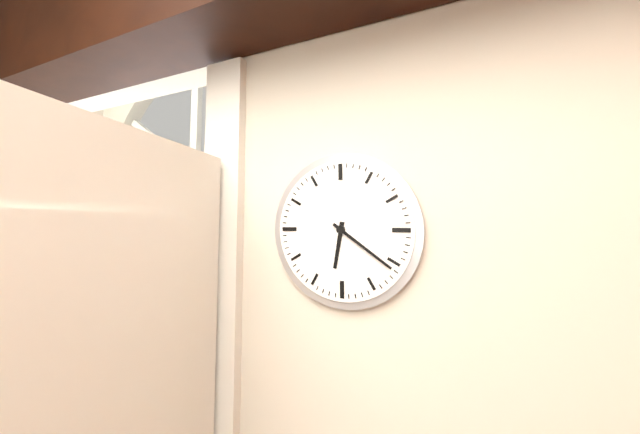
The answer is 6:21
